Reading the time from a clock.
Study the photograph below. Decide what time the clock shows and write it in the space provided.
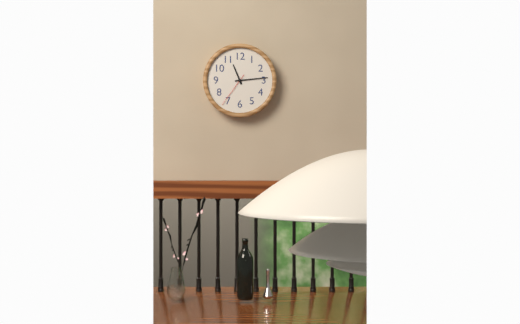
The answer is 11:14
